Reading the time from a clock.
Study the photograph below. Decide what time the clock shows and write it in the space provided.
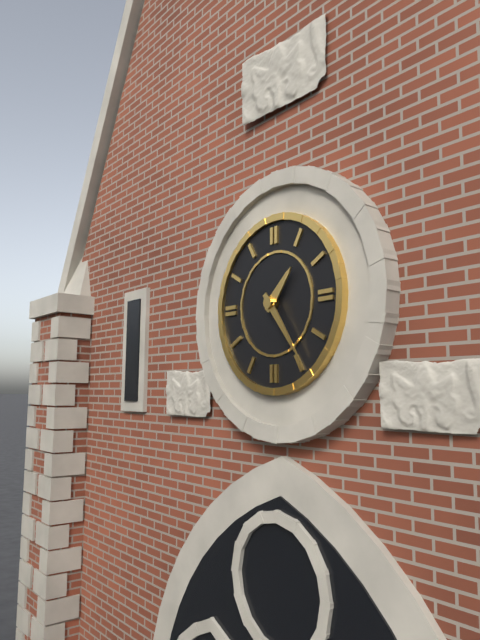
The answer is 1:24
